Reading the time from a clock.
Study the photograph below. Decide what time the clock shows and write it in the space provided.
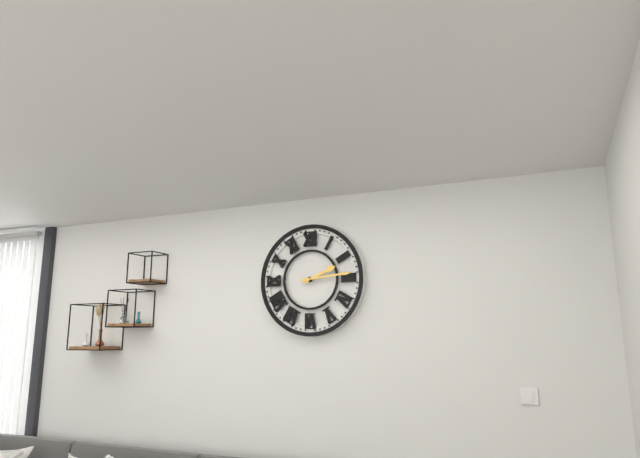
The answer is 2:14
